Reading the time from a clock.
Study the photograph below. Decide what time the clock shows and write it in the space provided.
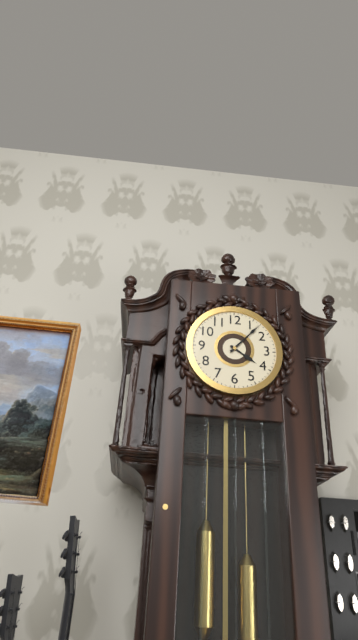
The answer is 4:07
